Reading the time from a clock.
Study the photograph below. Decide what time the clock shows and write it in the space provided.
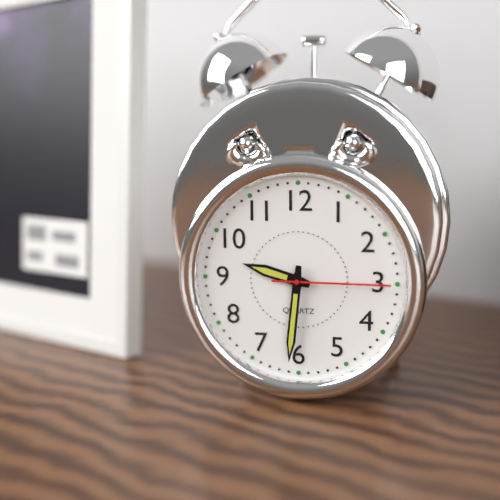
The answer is 9:31:15
